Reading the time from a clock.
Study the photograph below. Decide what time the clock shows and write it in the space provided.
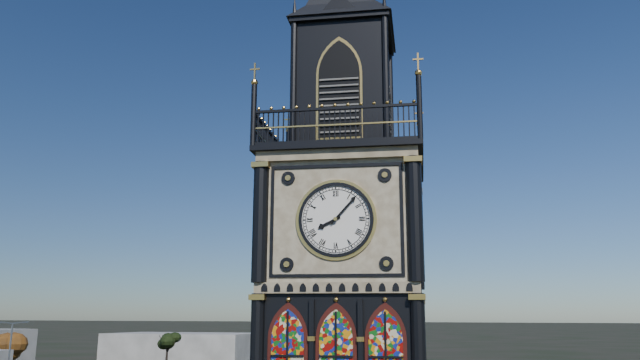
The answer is 8:07
